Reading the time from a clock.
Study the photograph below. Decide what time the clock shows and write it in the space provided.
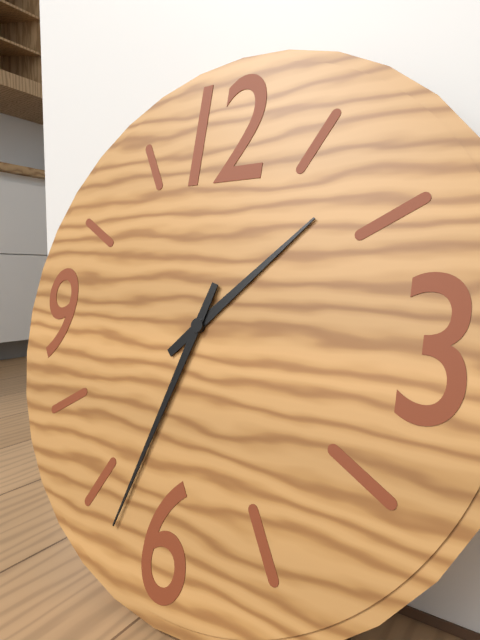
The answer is 1:33
